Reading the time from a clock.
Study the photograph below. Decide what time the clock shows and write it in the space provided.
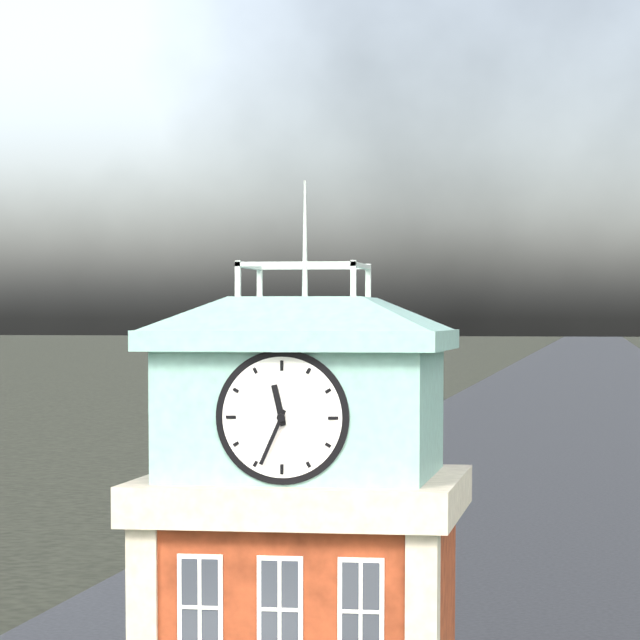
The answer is 11:34
